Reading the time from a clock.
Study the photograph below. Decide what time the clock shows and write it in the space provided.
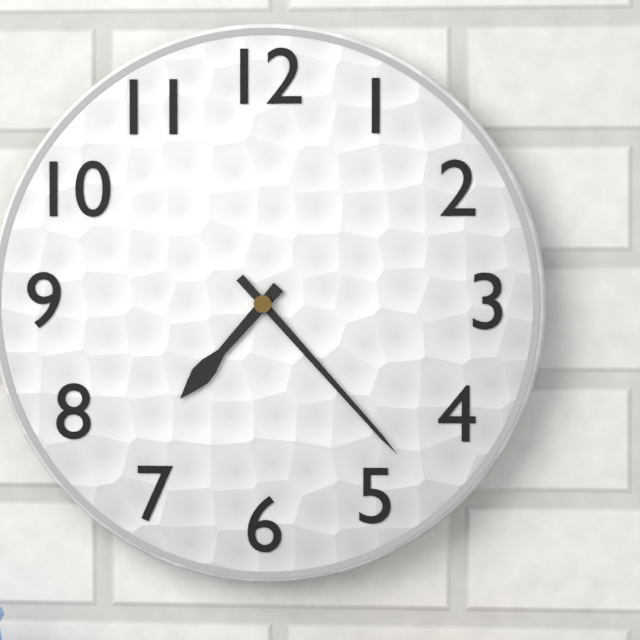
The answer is 7:23
